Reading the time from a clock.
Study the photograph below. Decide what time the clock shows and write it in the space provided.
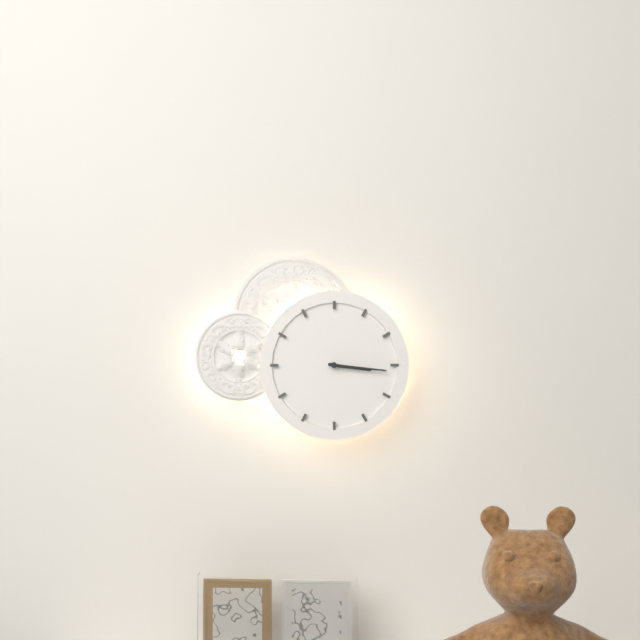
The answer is 3:16
